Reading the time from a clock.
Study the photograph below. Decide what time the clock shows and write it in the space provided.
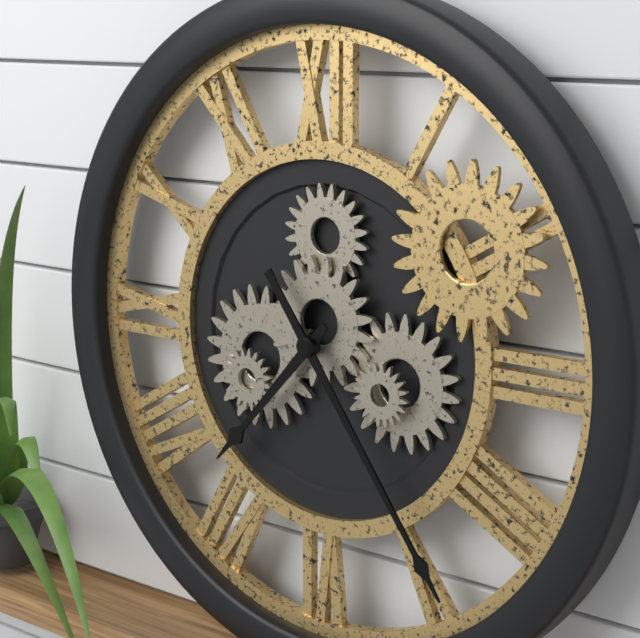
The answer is 7:24
